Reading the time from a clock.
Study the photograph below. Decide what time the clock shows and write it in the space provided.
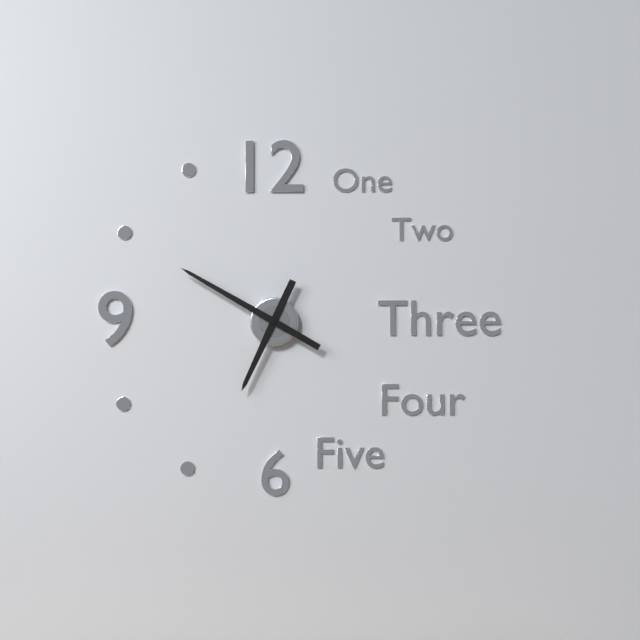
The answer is 6:50
